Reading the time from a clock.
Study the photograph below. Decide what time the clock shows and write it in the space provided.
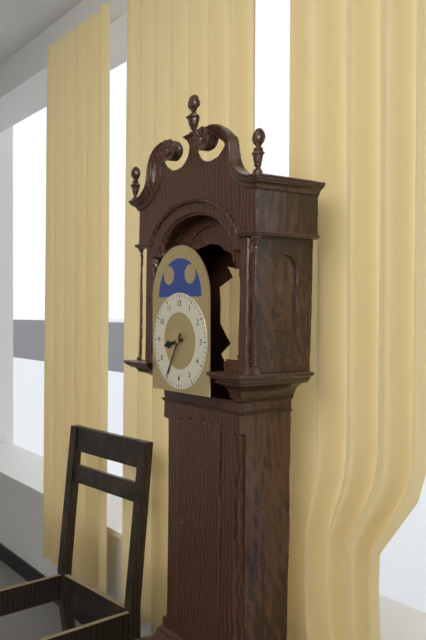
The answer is 8:35
